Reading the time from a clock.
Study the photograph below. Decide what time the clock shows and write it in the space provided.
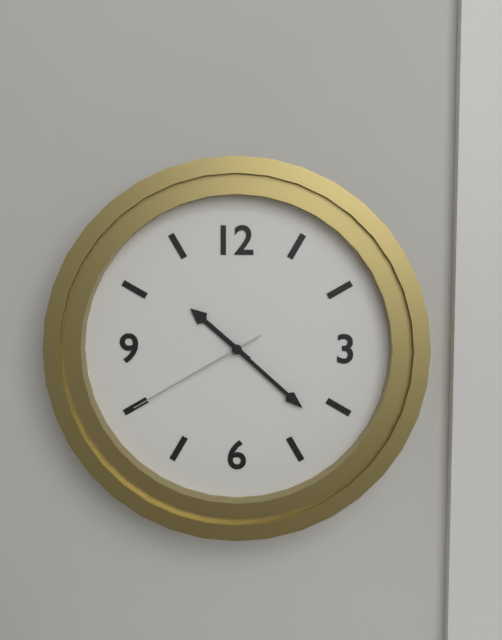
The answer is 10:22:40
